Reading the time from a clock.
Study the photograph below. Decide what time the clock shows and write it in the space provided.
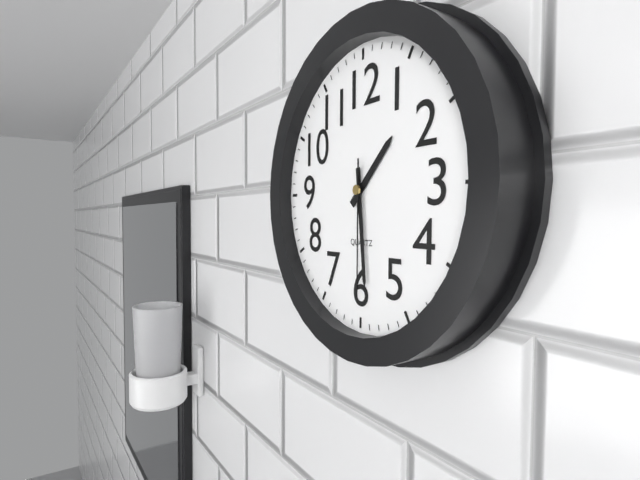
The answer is 1:29:30
